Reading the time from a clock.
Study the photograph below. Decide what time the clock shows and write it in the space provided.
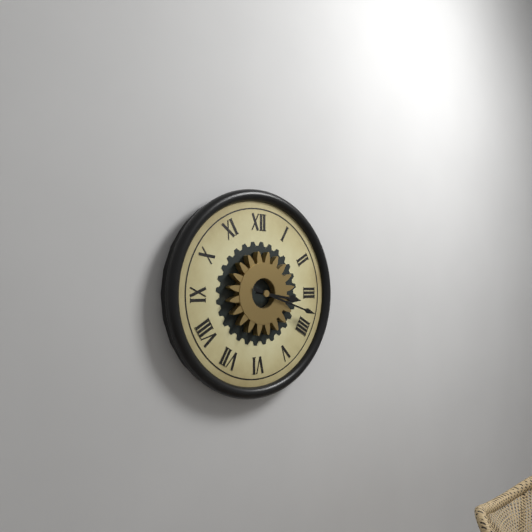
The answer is 3:18
